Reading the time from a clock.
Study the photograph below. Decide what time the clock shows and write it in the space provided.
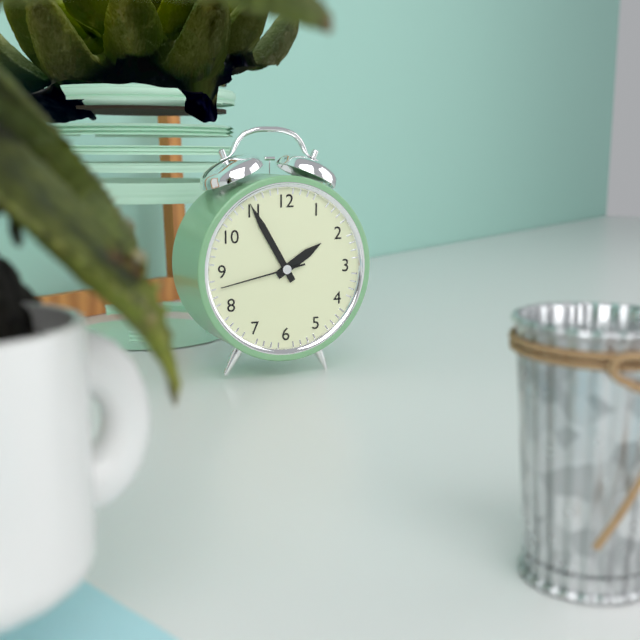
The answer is 1:55:43
